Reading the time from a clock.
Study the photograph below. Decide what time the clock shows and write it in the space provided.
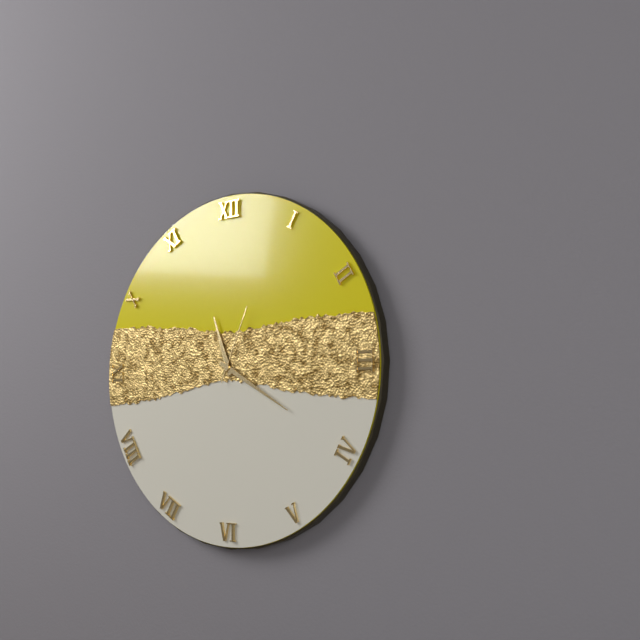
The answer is 11:20:04
